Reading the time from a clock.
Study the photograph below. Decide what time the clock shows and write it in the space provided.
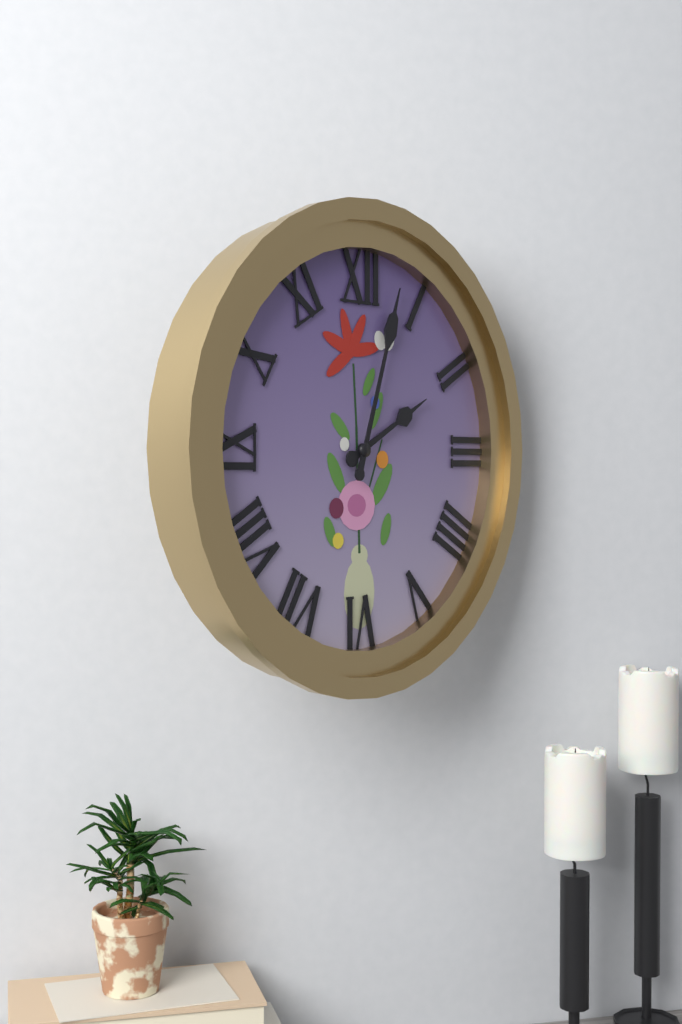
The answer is 2:03
